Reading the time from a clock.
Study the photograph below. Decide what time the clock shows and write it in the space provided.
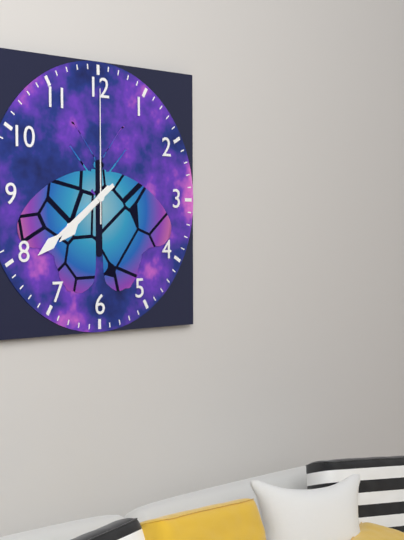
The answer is 7:39:00
